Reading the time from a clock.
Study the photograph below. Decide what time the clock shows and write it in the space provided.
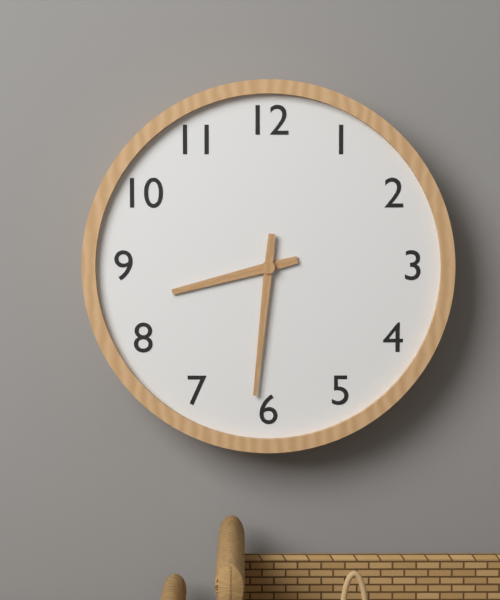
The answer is 8:31
